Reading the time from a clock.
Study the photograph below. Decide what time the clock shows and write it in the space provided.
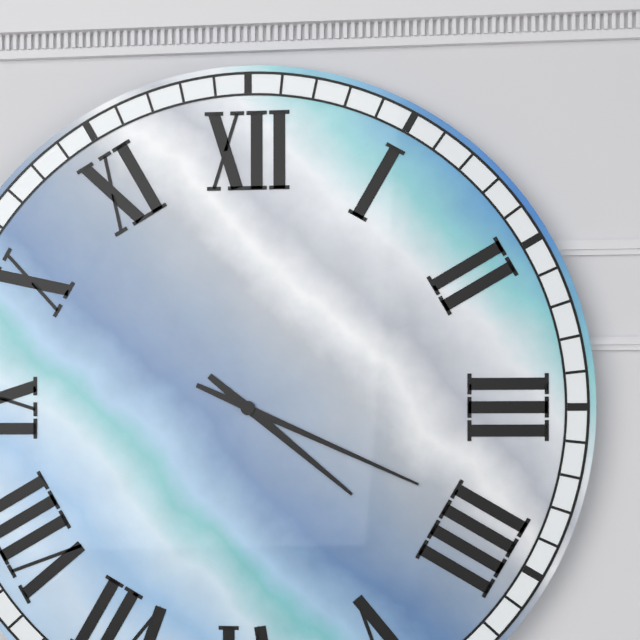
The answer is 4:19
